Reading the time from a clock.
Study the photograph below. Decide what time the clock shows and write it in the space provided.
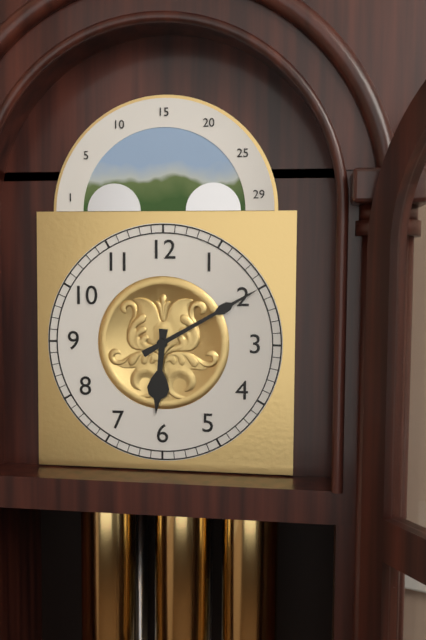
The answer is 6:10
